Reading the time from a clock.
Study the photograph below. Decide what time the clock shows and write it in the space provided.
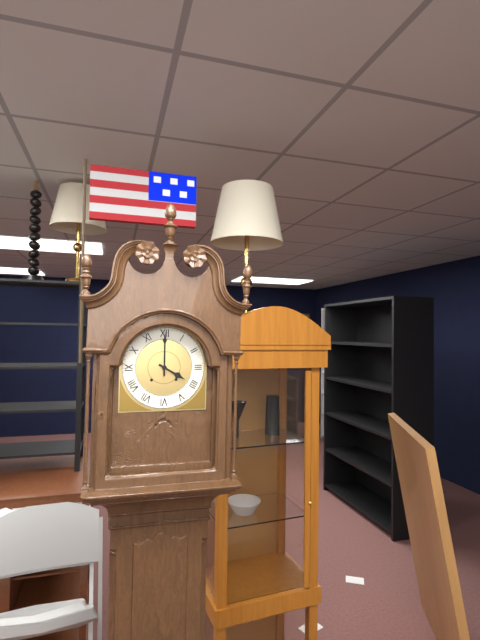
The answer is 4:00
